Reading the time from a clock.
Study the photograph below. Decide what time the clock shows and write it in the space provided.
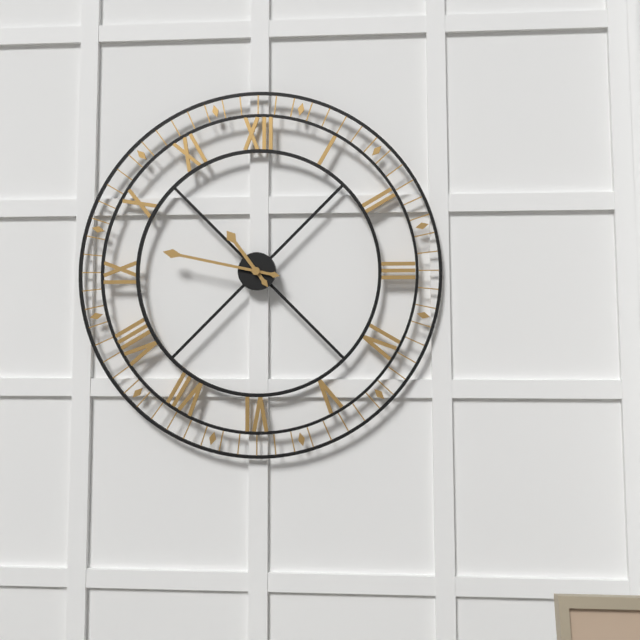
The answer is 10:47
